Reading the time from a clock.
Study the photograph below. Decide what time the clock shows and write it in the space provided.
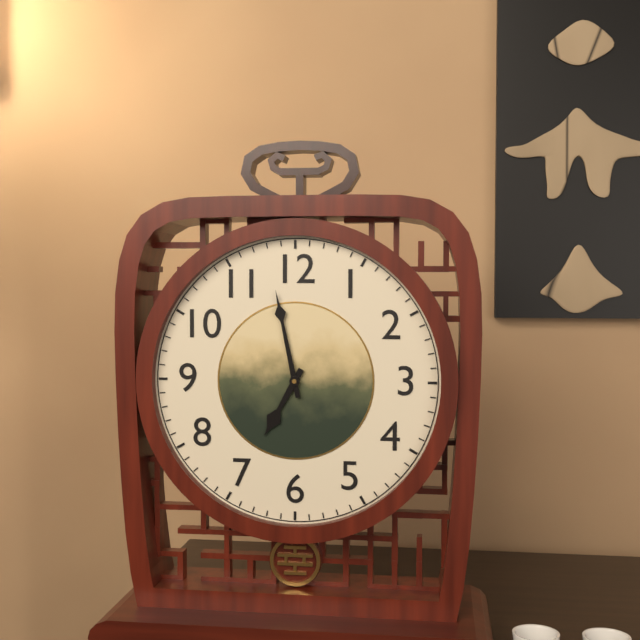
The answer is 6:58
